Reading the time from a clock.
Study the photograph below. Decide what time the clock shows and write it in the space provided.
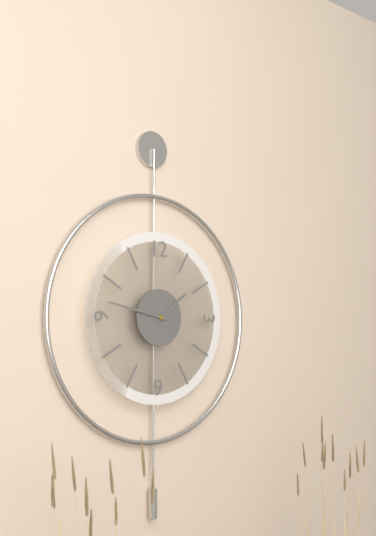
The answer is 1:47
